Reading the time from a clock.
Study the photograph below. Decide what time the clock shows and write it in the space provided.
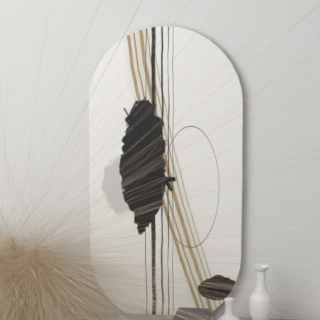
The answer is 8:55
